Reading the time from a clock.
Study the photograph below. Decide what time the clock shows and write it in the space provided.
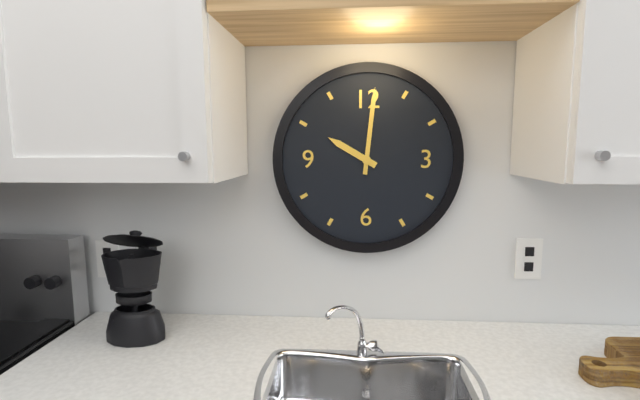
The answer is 10:01
